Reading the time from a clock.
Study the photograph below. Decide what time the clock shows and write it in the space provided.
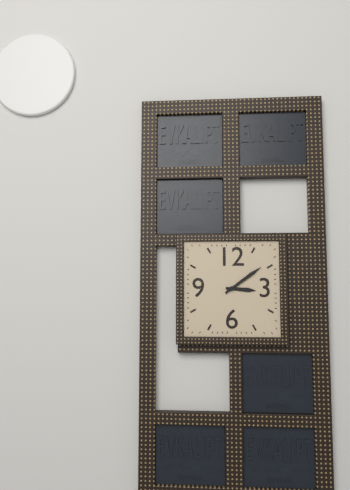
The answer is 3:09
